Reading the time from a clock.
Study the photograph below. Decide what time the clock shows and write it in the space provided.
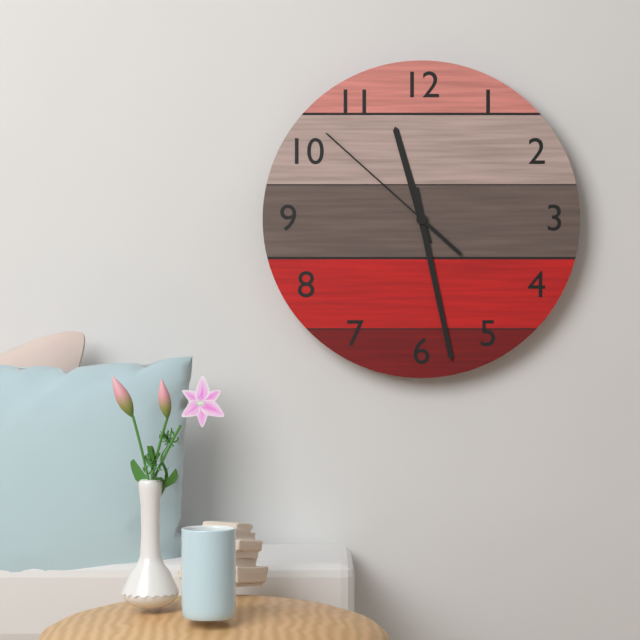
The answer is 11:28:52
